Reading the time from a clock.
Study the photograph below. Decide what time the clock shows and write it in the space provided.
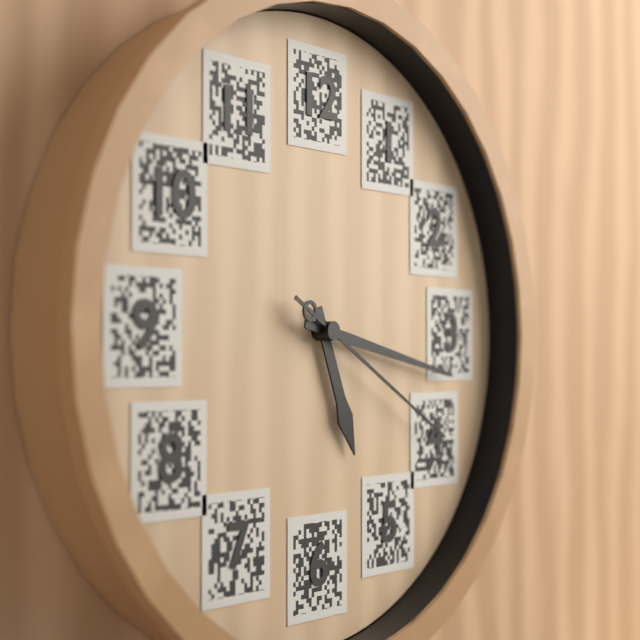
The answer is 5:17:20
